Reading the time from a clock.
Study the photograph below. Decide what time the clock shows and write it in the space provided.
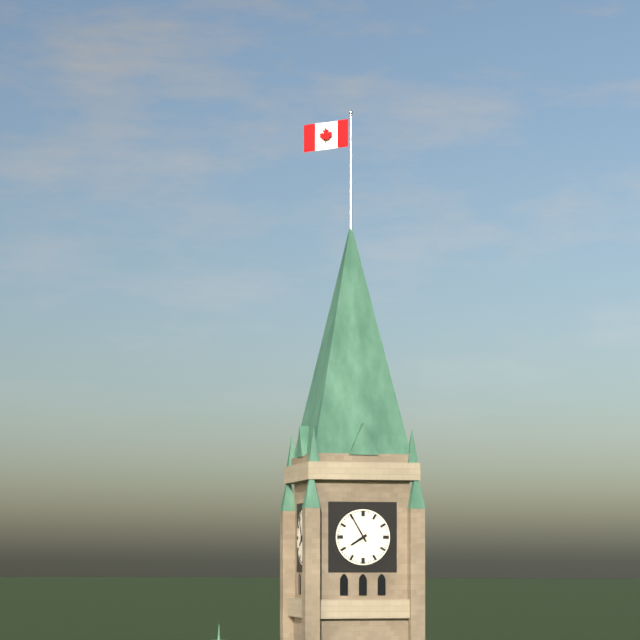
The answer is 7:55
